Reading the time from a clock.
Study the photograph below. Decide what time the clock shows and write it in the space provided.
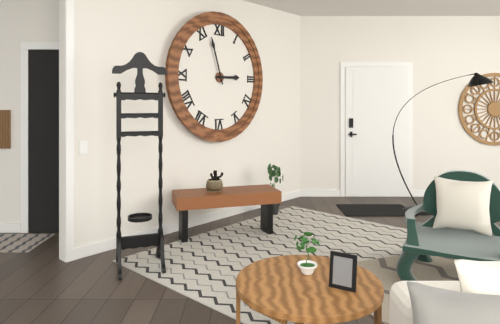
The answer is 2:57
